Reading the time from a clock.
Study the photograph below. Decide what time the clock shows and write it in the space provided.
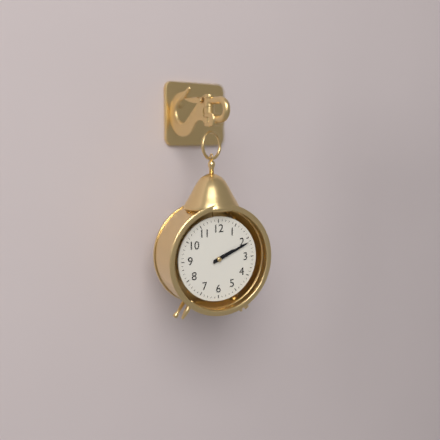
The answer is 2:11
